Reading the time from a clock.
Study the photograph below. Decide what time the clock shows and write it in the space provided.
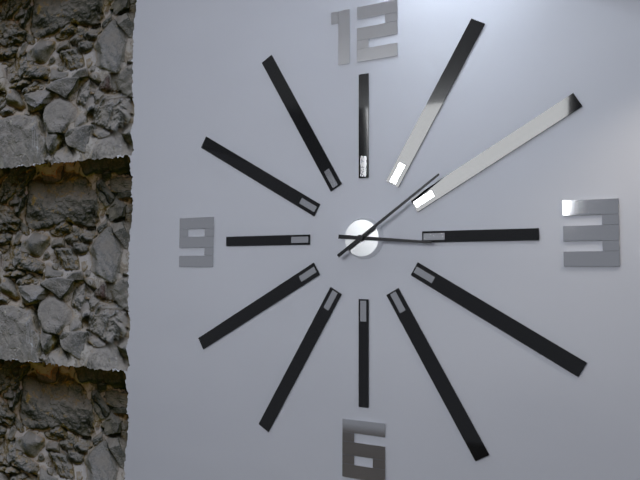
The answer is 3:09
